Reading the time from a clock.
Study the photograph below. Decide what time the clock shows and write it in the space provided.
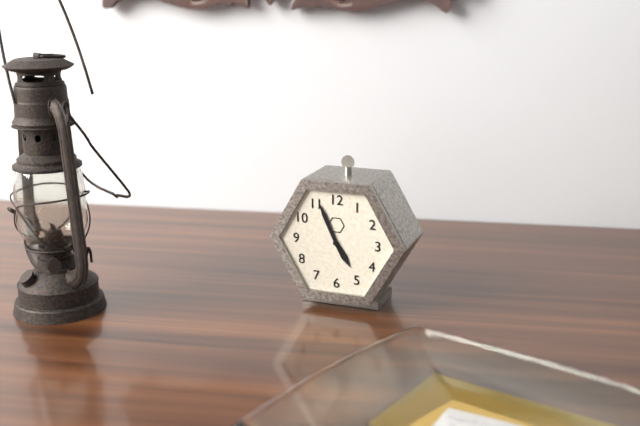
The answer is 4:56
